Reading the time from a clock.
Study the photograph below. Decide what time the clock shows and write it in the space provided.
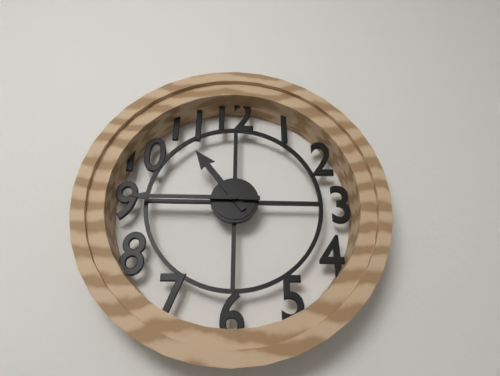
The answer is 10:45
